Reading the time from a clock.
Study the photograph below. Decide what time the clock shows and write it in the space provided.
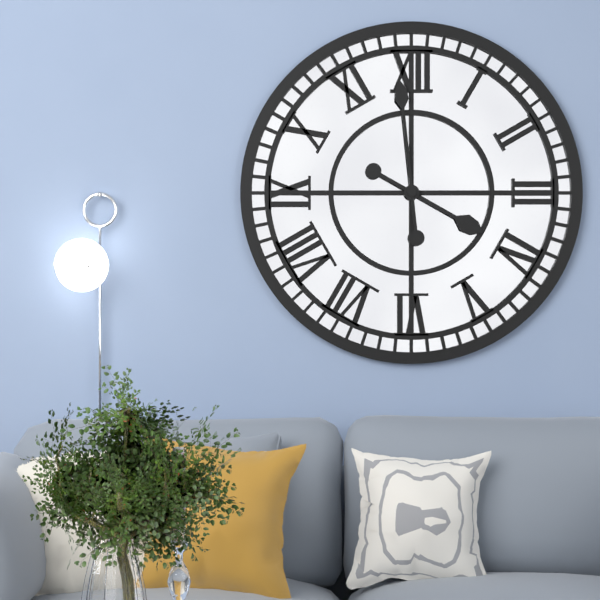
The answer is 3:59
